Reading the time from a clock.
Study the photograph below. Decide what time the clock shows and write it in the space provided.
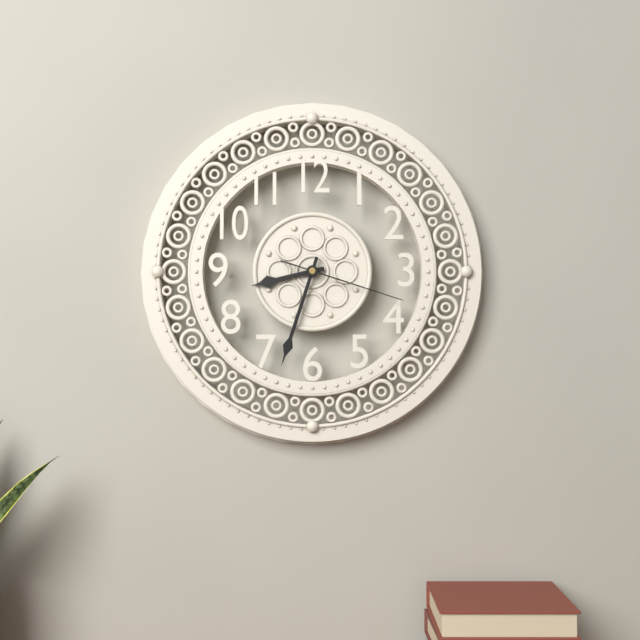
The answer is 8:33:18
